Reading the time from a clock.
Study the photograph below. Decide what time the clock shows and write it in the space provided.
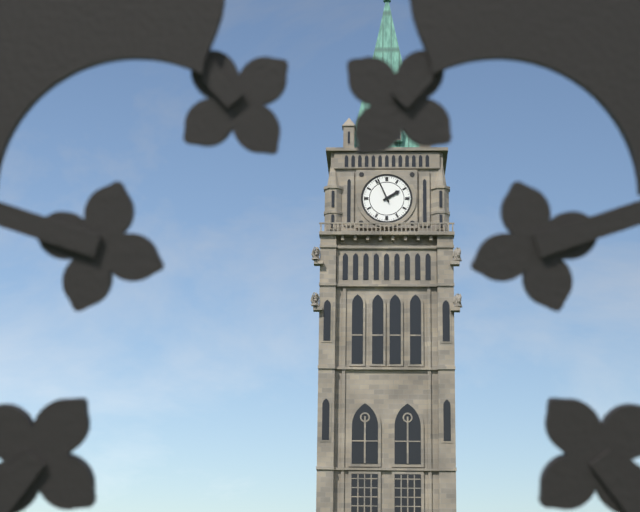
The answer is 1:56
